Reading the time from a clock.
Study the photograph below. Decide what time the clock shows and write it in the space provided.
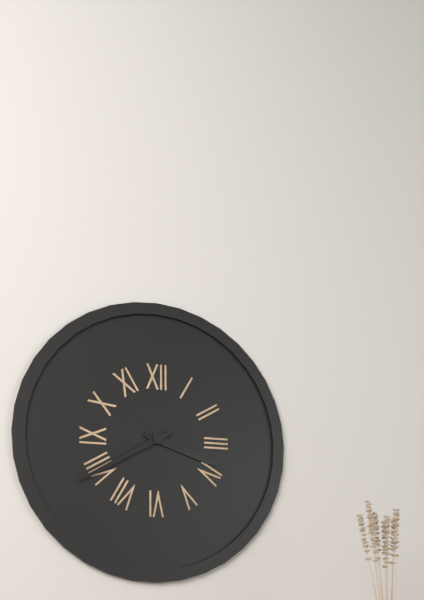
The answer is 3:40
